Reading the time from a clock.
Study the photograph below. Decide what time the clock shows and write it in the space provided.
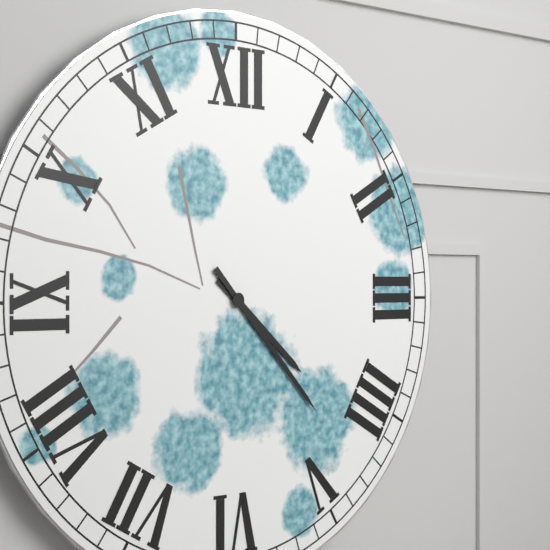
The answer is 4:23
